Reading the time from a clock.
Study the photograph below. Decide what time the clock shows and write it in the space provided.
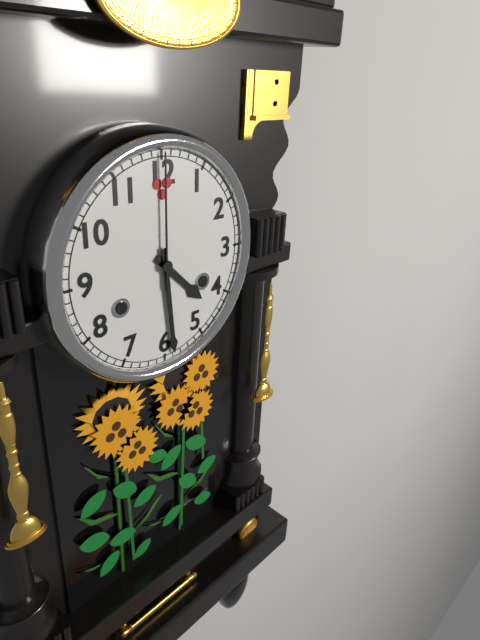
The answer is 4:29:00
